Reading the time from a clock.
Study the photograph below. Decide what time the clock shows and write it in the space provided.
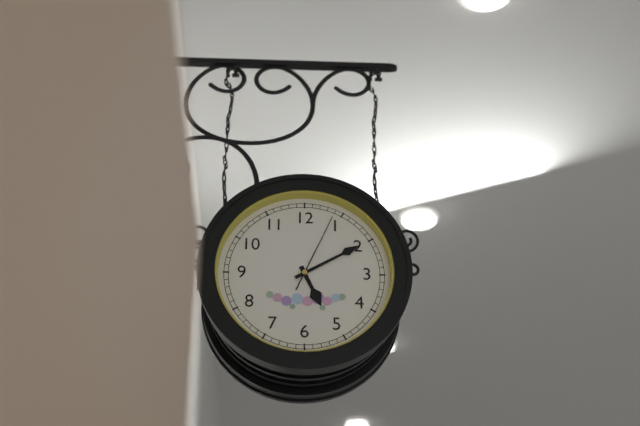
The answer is 5:10:04
